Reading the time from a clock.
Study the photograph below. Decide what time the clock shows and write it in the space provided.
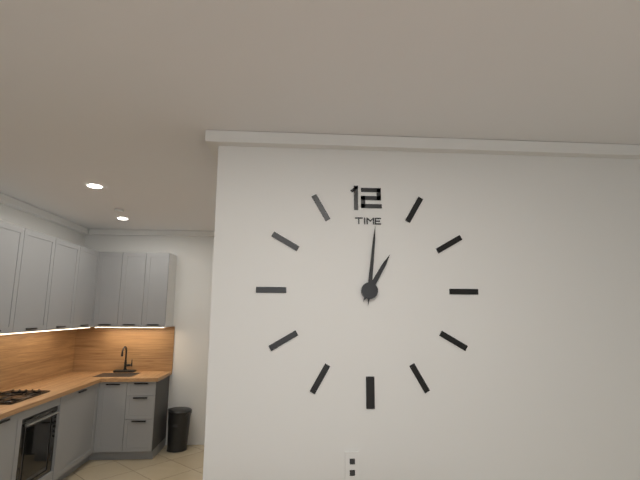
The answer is 1:01
